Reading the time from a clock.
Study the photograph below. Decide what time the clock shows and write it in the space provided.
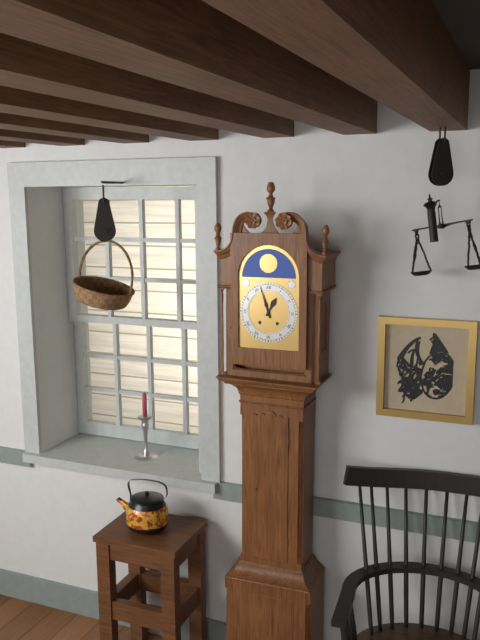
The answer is 12:57
